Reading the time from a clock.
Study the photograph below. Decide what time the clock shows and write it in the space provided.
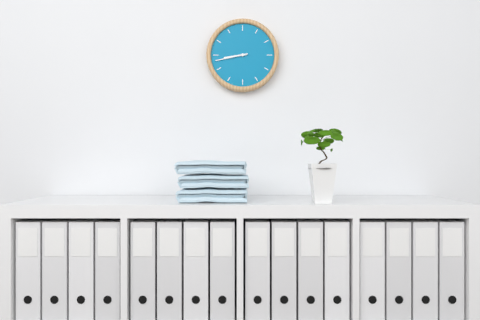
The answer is 8:43
